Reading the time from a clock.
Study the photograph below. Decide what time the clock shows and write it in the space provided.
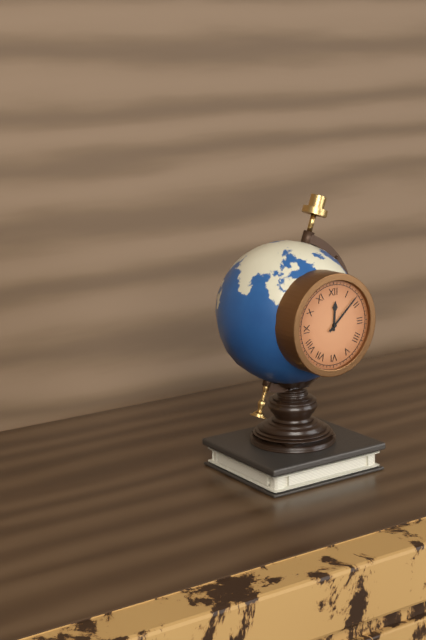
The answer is 12:08
